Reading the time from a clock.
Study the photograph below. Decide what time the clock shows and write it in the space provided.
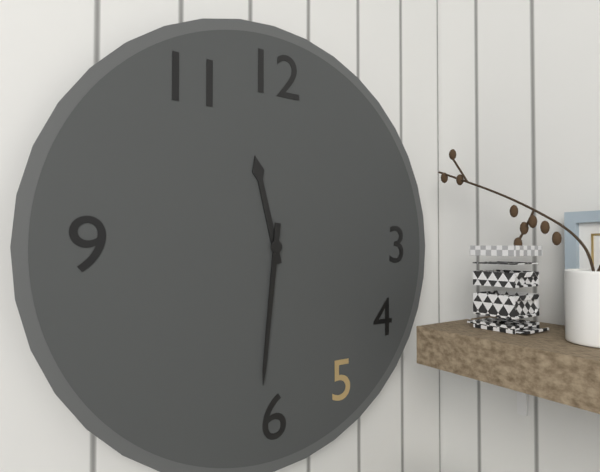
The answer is 11:31
